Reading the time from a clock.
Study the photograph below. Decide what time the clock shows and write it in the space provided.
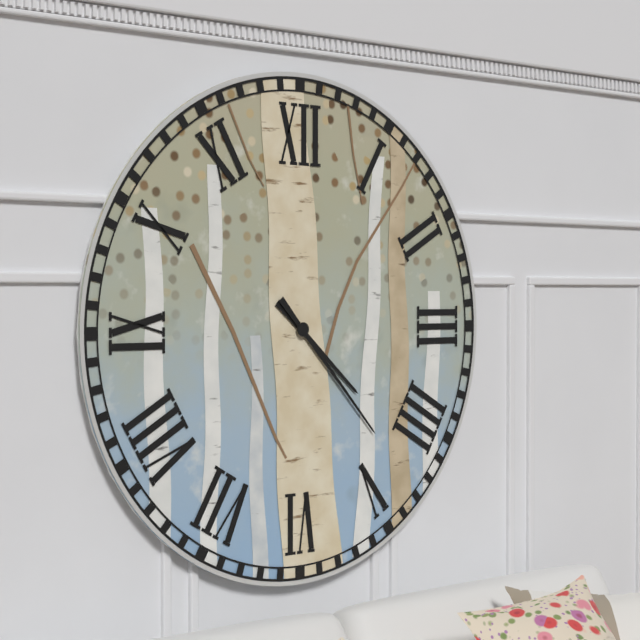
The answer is 4:23
